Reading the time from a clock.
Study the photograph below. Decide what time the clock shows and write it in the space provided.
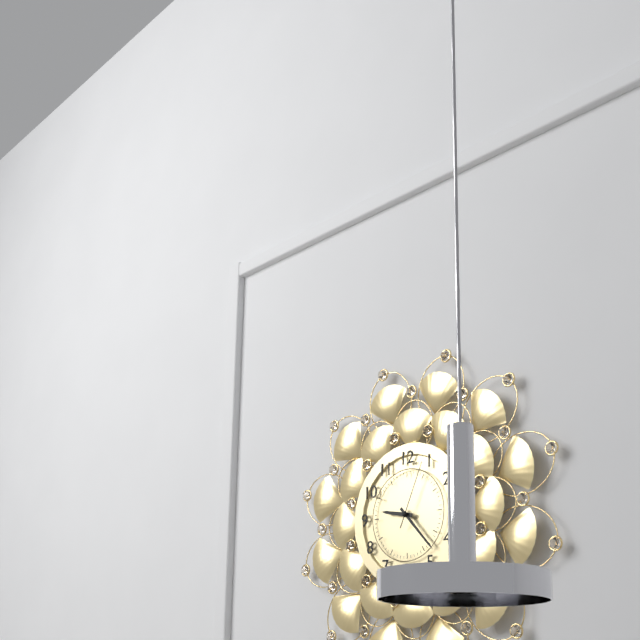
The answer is 9:23:04
